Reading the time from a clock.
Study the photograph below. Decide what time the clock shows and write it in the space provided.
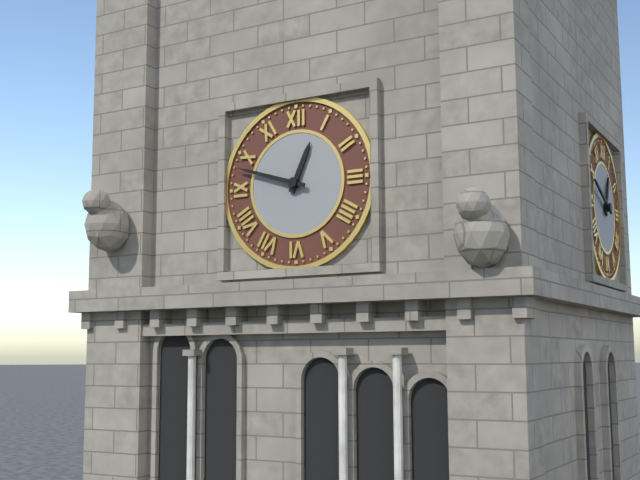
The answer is 12:48
